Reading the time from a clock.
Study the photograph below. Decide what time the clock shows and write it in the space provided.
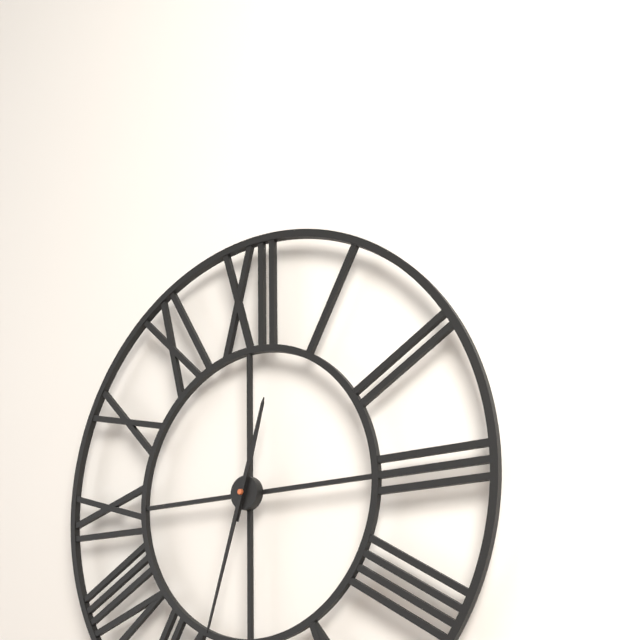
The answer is 12:33
